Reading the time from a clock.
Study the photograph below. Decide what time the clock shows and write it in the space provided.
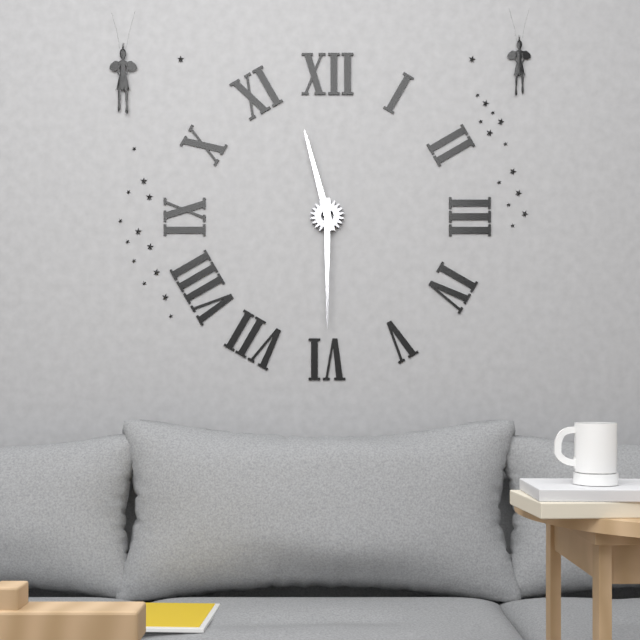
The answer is 11:30
